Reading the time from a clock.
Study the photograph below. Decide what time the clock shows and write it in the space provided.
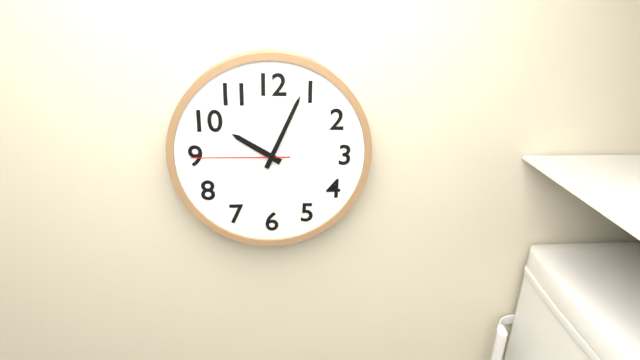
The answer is 10:04:45
